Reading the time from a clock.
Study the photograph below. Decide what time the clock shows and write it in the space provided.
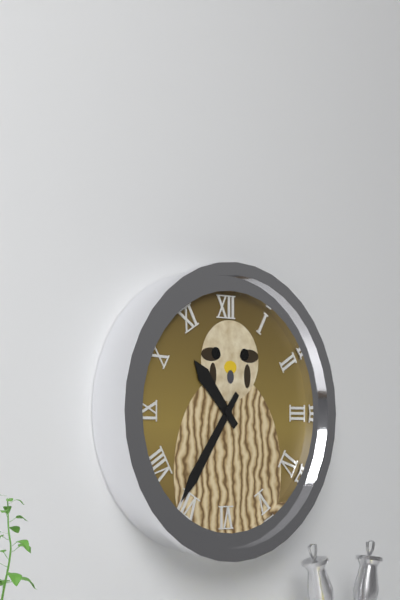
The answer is 10:36
